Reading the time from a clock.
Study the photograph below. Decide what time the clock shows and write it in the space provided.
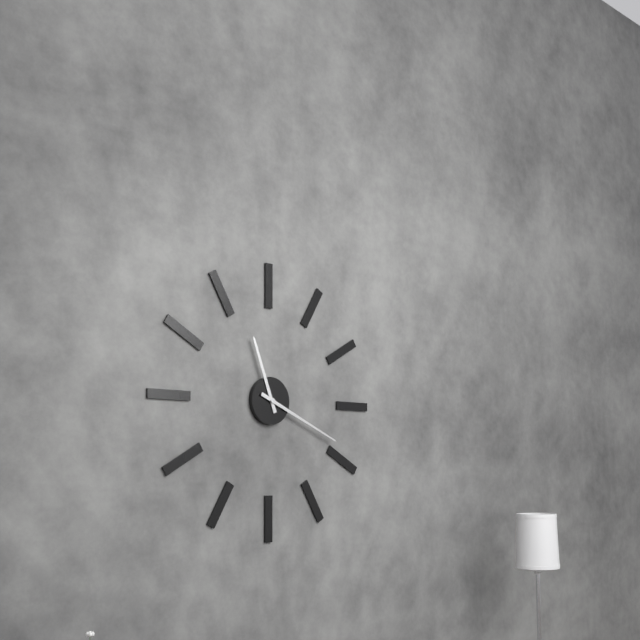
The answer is 11:19
